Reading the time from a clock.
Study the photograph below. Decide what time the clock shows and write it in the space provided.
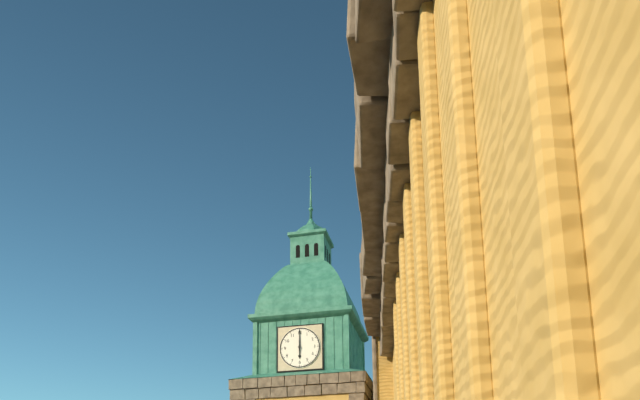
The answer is 6:00
